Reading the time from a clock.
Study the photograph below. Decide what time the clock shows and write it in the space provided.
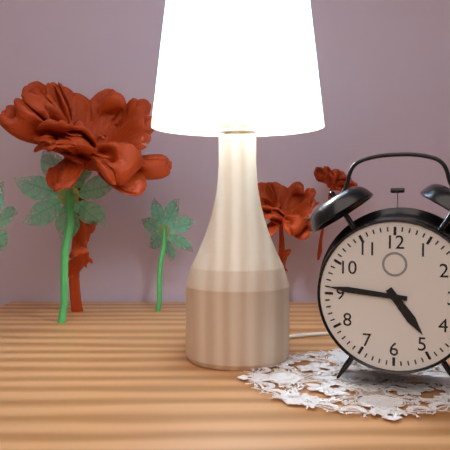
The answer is 4:46
